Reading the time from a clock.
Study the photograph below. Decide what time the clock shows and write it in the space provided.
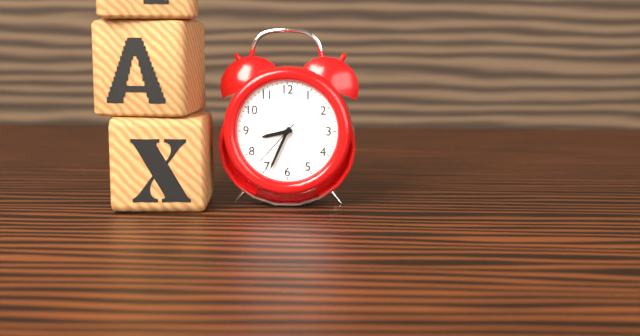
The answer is 8:34
